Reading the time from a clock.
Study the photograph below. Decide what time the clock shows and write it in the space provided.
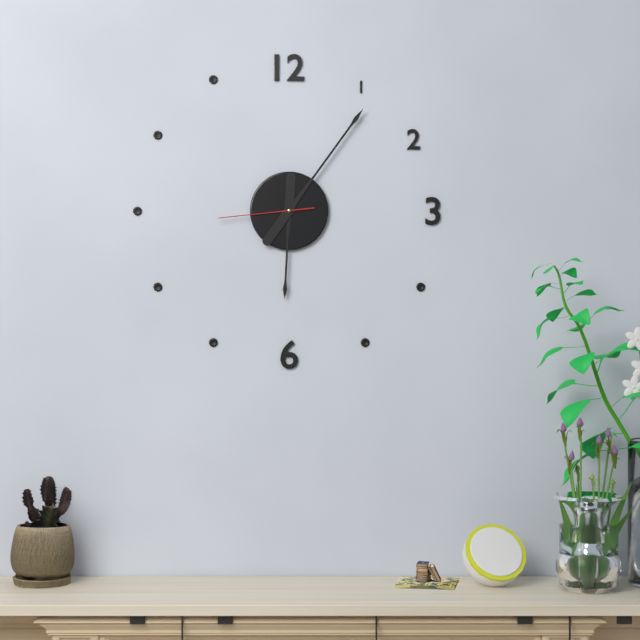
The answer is 6:06:44
